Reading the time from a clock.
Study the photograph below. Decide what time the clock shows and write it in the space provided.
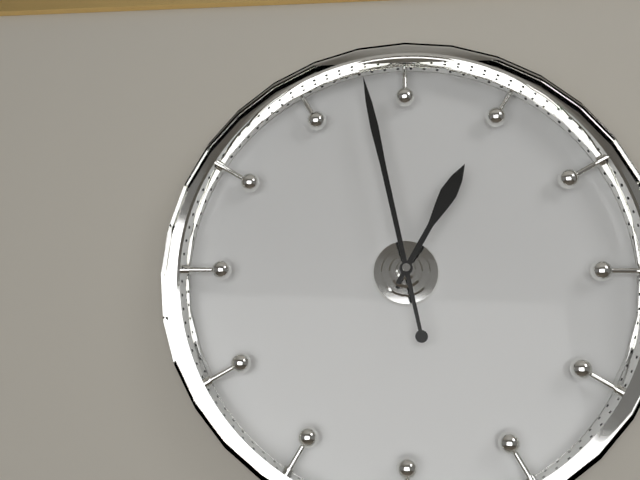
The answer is 12:58
